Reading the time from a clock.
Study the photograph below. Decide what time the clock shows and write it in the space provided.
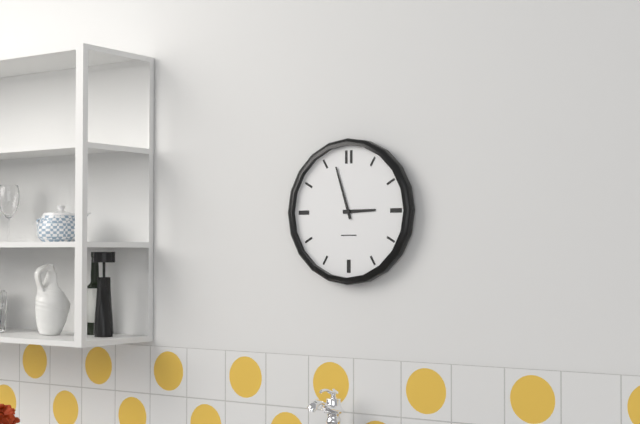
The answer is 2:57
